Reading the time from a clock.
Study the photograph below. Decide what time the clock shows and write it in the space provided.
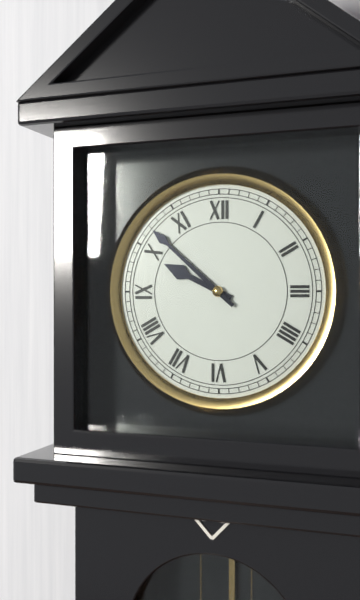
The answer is 9:52
